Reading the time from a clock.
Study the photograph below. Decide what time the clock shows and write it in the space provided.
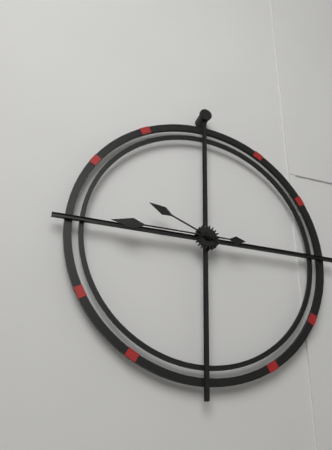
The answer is 9:45
